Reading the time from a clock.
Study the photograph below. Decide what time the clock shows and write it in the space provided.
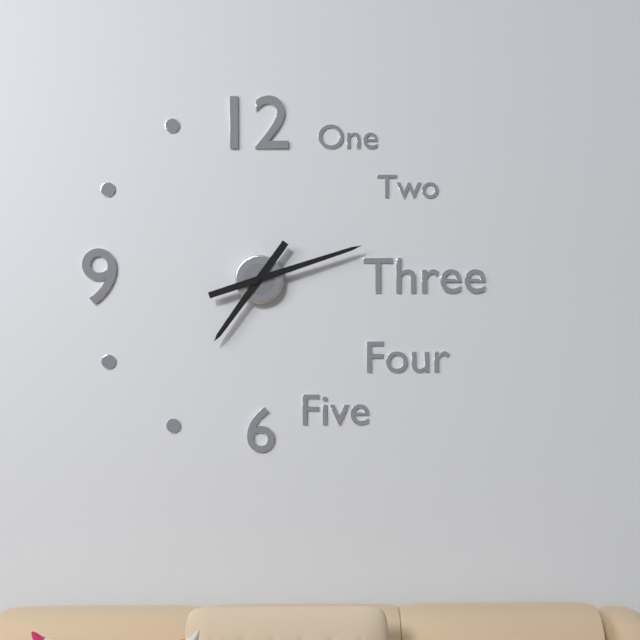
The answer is 7:12
